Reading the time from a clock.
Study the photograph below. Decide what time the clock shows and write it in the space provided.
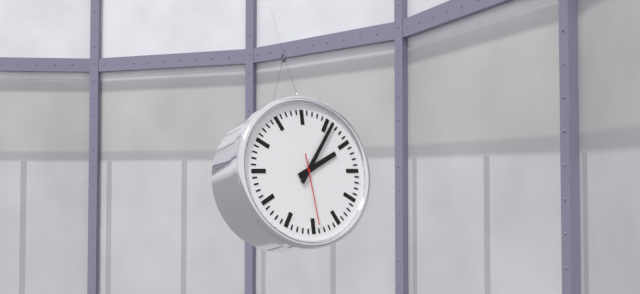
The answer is 2:06:29
